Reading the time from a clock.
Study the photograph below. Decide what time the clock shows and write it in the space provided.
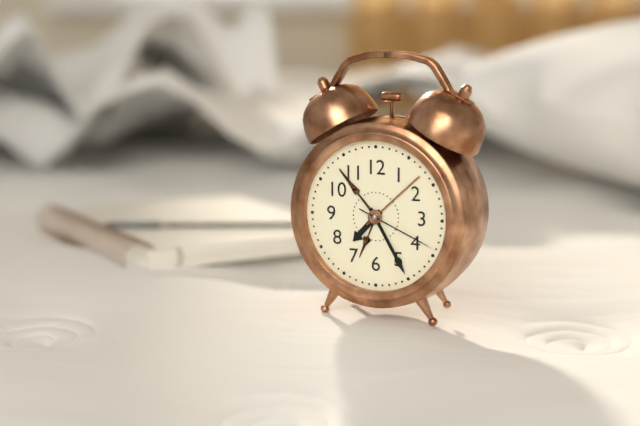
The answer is 7:25:19
